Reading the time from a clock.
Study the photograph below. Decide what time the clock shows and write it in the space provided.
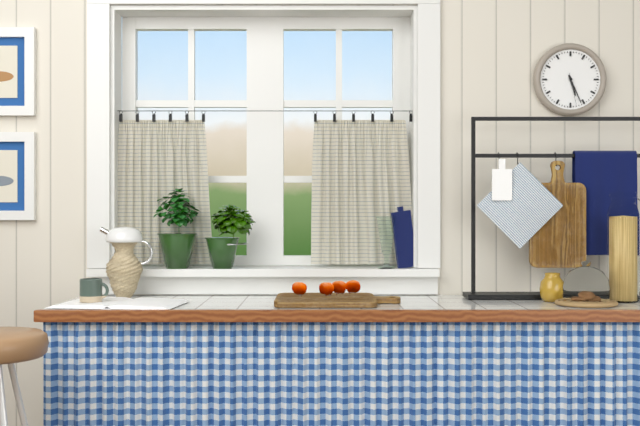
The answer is 5:26
